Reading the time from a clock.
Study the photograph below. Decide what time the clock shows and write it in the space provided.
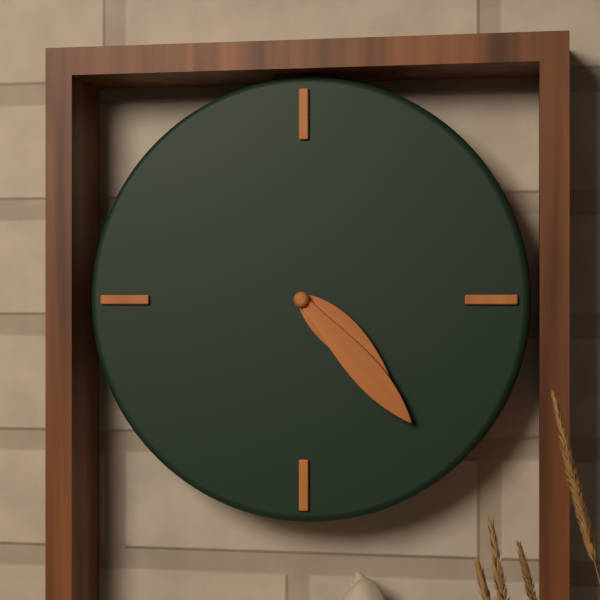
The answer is 4:23
